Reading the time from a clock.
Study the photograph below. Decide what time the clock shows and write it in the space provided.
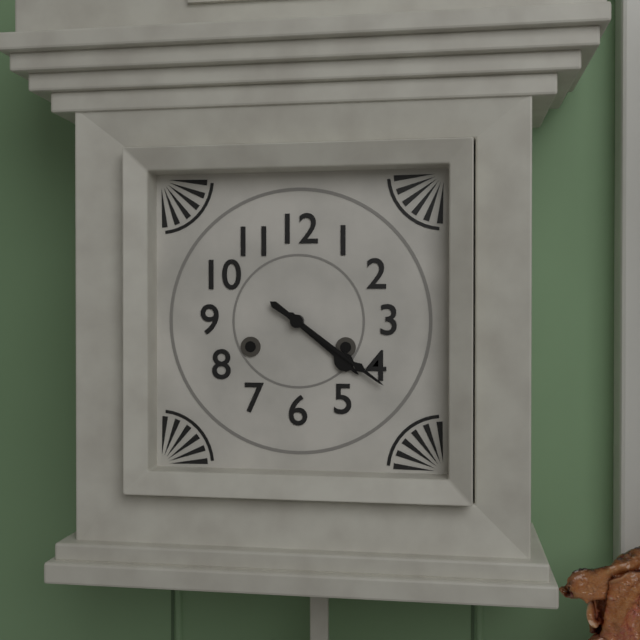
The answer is 4:21
